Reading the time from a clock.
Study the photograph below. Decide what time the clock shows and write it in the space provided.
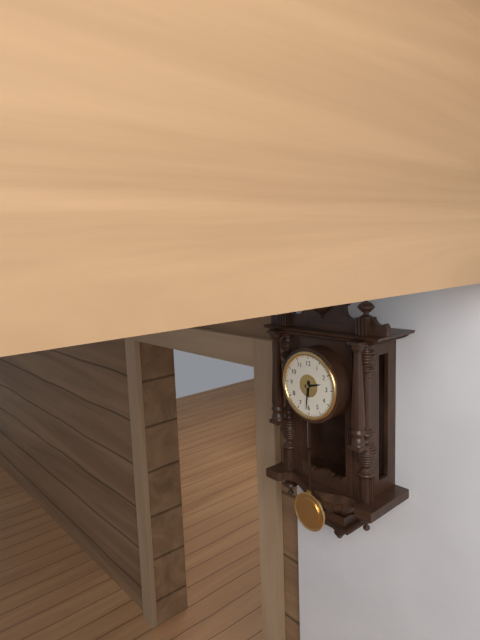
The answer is 2:31
